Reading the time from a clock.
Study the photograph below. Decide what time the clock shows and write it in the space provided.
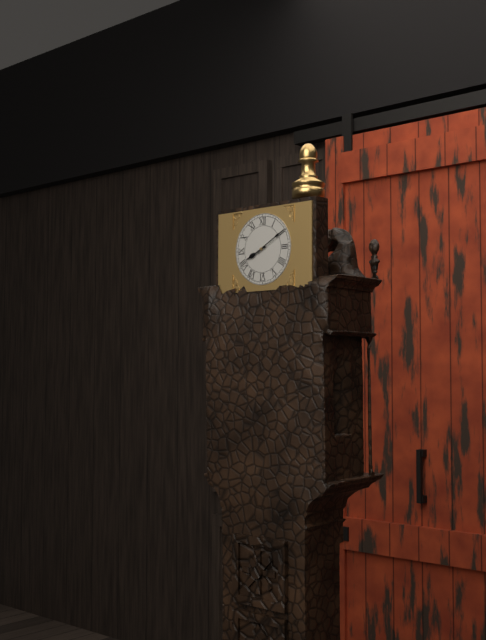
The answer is 8:10
